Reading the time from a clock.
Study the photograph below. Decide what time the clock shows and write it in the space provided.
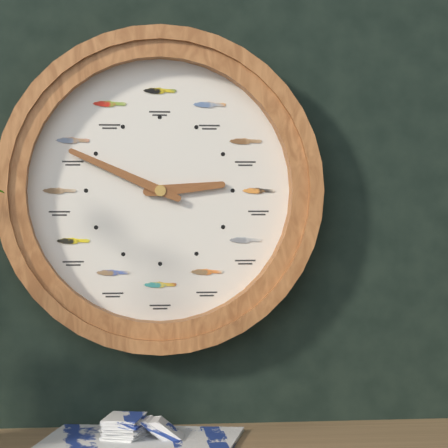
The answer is 2:49
